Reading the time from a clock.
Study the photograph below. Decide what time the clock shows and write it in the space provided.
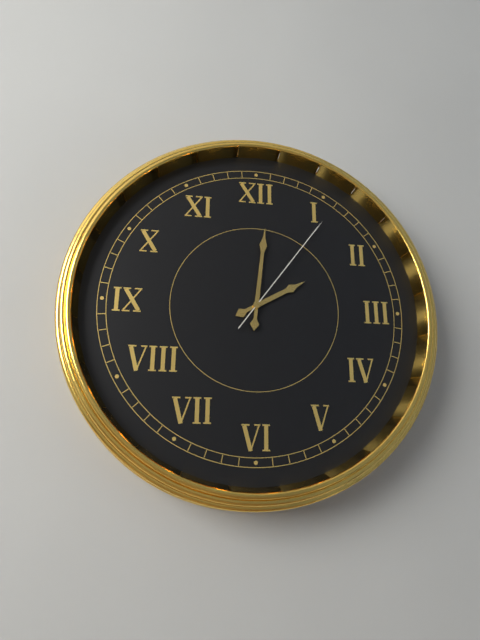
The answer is 2:01:06
